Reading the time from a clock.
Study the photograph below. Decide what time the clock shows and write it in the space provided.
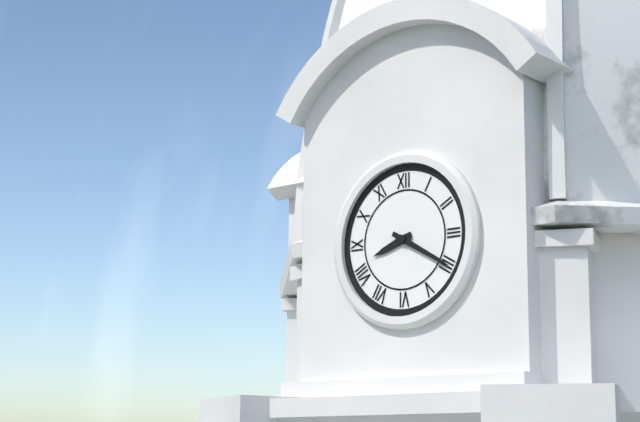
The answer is 8:20
